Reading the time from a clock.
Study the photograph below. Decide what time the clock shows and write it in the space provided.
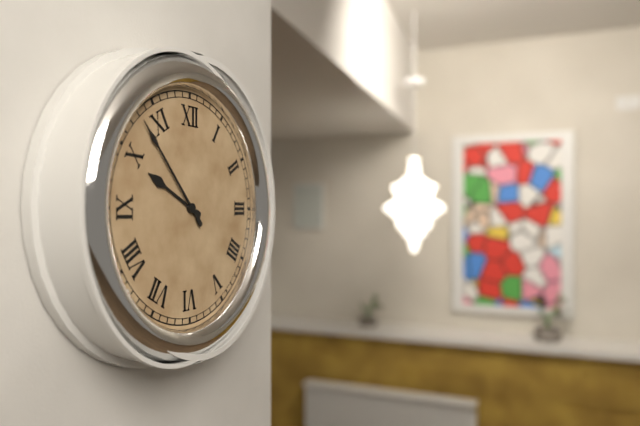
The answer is 9:53
